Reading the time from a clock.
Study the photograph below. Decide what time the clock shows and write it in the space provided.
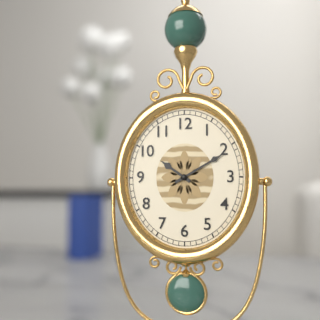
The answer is 10:10
